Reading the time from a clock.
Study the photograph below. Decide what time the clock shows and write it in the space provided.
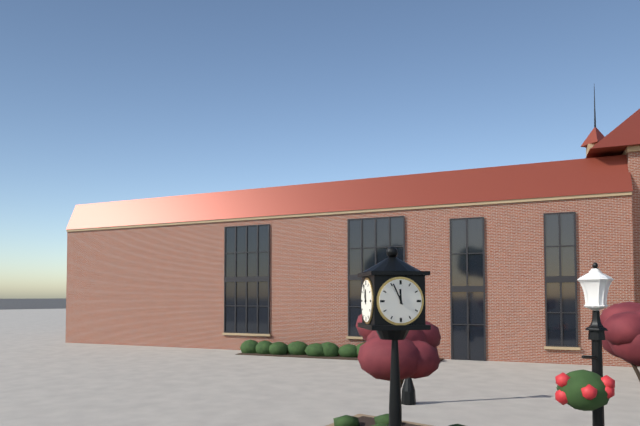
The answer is 11:56
